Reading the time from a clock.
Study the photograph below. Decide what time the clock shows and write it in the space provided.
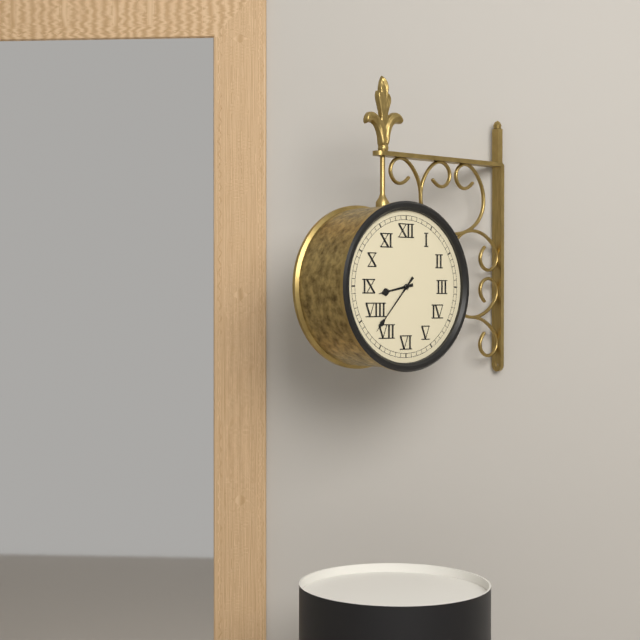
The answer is 8:37
